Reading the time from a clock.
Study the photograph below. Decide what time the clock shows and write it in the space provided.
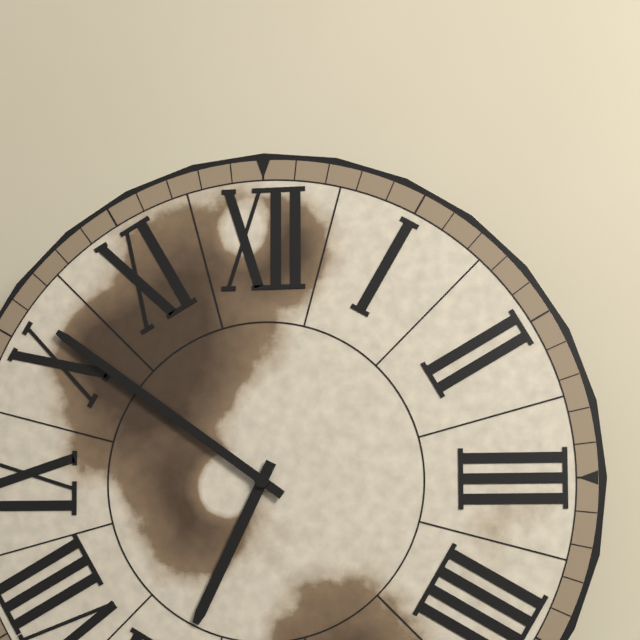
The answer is 6:51
